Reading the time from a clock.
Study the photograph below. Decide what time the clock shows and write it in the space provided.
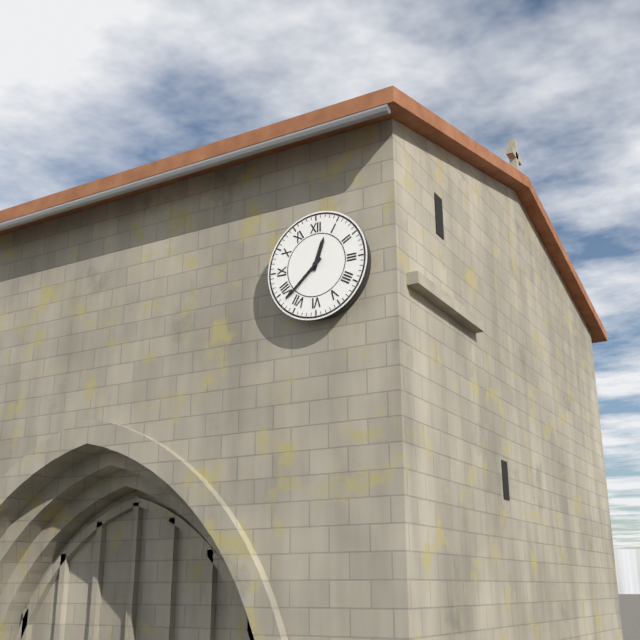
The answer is 12:38
